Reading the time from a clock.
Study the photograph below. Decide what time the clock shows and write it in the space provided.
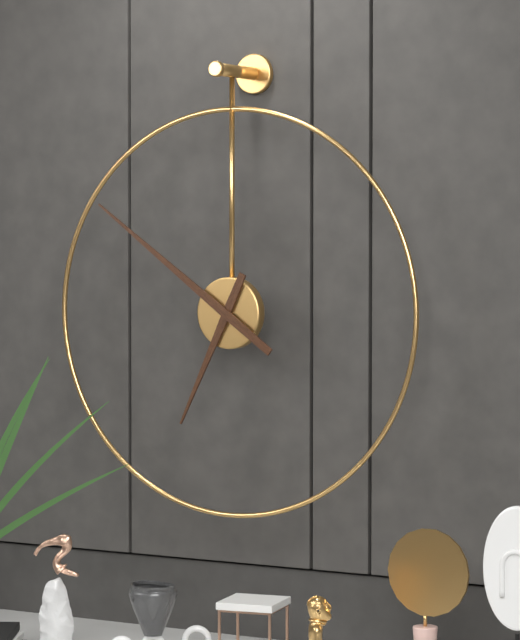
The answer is 6:51
